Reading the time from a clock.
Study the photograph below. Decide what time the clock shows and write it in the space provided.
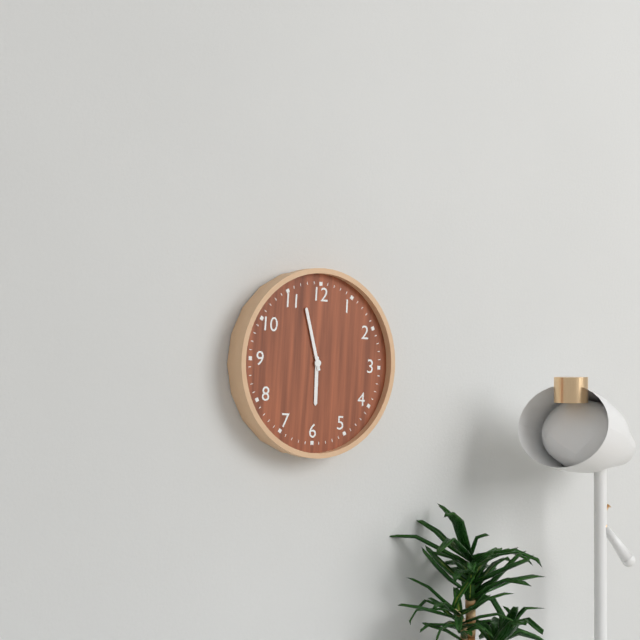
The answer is 5:57
